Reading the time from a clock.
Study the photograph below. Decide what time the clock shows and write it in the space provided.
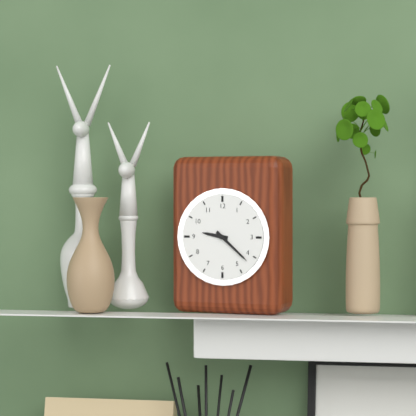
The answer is 9:22
